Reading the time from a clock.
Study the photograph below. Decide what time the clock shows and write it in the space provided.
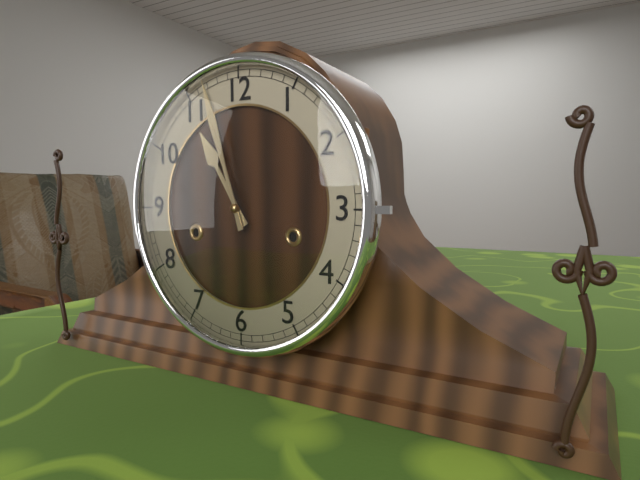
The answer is 10:57
